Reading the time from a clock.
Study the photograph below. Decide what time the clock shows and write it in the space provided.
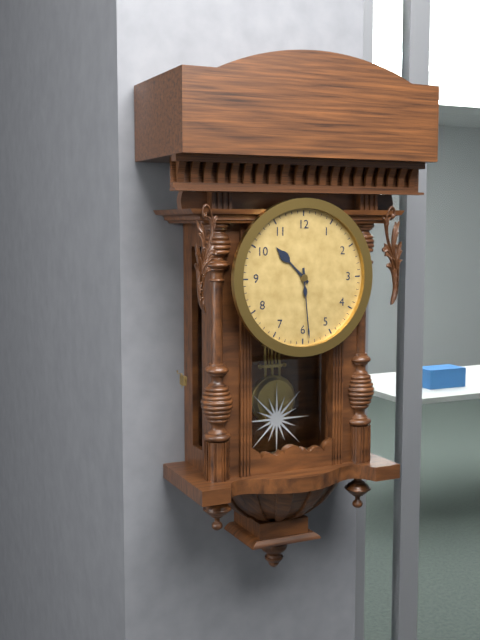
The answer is 10:29
